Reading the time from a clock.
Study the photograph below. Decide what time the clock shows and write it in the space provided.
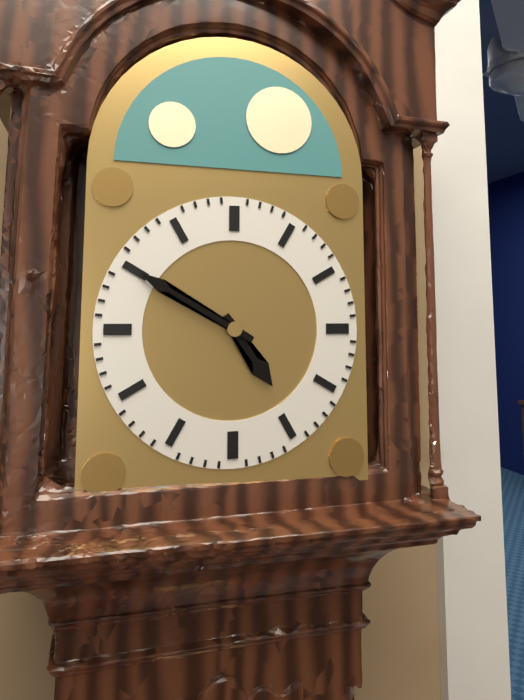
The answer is 4:50
